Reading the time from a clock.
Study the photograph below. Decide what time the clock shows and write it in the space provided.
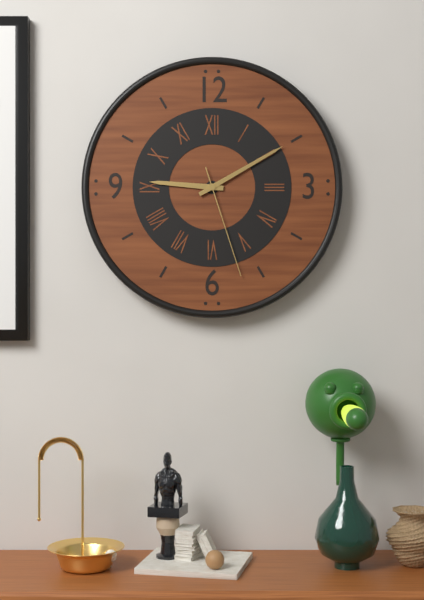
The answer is 9:10:27
